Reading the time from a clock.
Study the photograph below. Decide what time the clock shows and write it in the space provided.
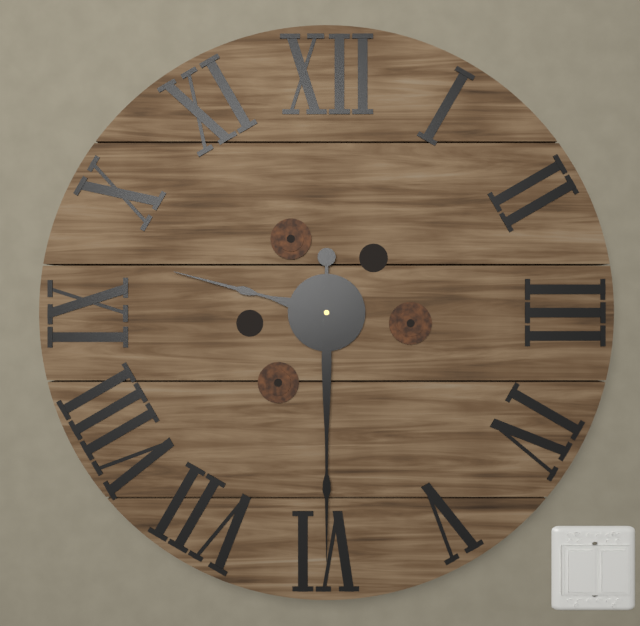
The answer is 9:30
